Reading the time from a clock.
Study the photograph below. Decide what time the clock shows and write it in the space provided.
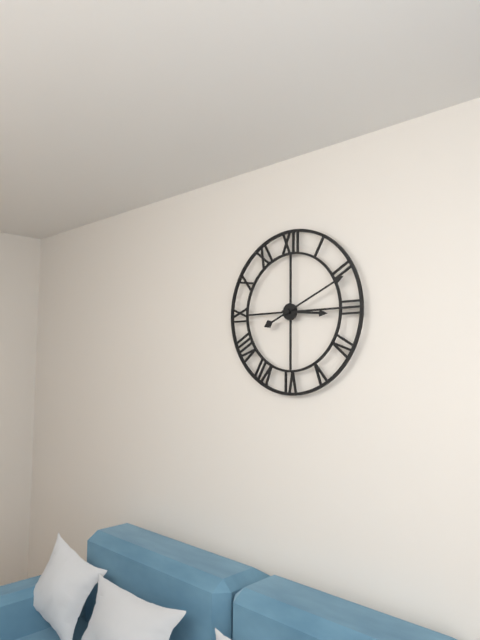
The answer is 3:11
